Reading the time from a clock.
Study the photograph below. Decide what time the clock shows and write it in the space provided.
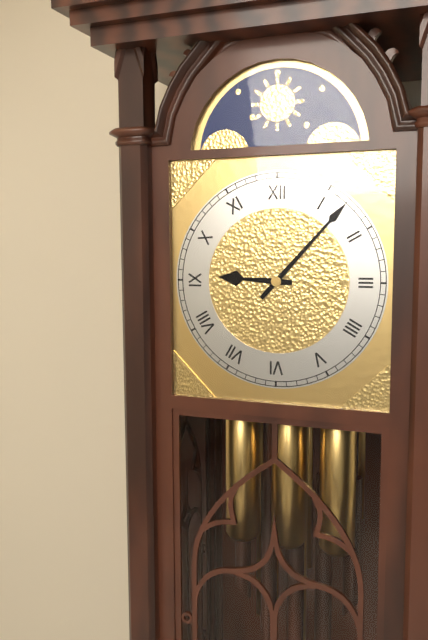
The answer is 9:07
